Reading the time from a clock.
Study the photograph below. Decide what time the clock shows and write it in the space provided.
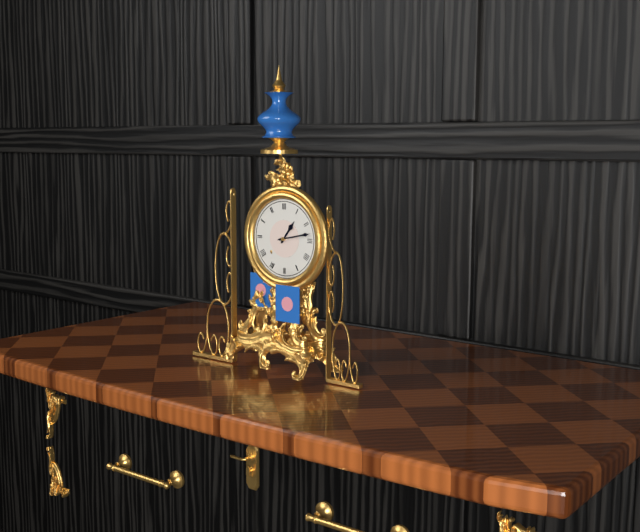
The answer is 1:13
